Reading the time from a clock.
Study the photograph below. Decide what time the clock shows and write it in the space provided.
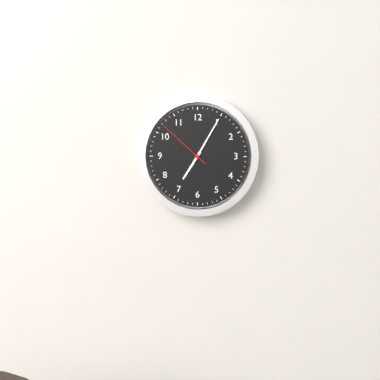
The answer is 7:05:52
